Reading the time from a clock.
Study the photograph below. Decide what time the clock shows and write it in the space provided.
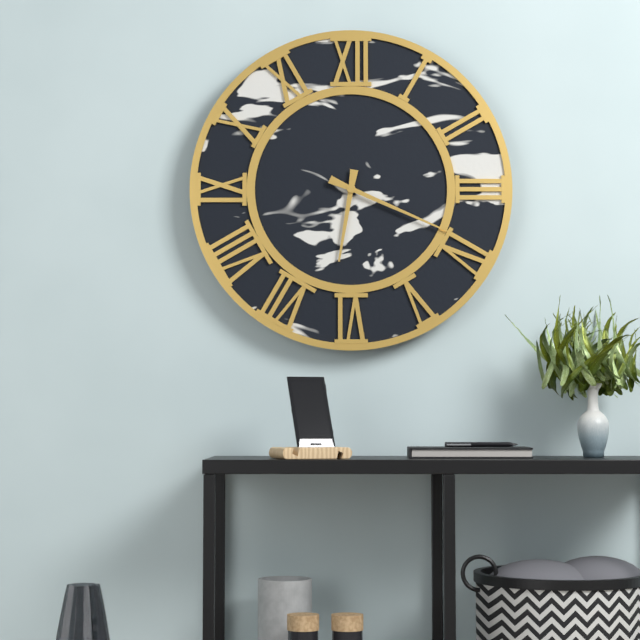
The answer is 6:19
